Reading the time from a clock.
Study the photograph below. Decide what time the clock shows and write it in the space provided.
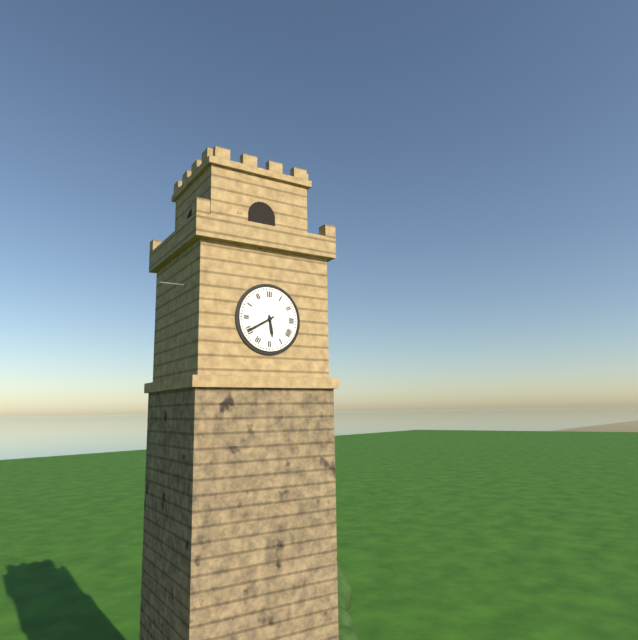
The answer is 5:40
